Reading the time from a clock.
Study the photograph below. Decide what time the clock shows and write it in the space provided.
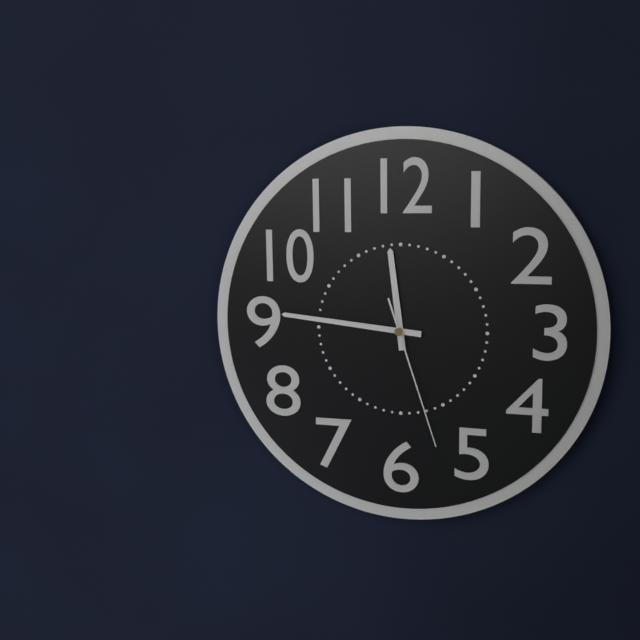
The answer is 11:46:27
